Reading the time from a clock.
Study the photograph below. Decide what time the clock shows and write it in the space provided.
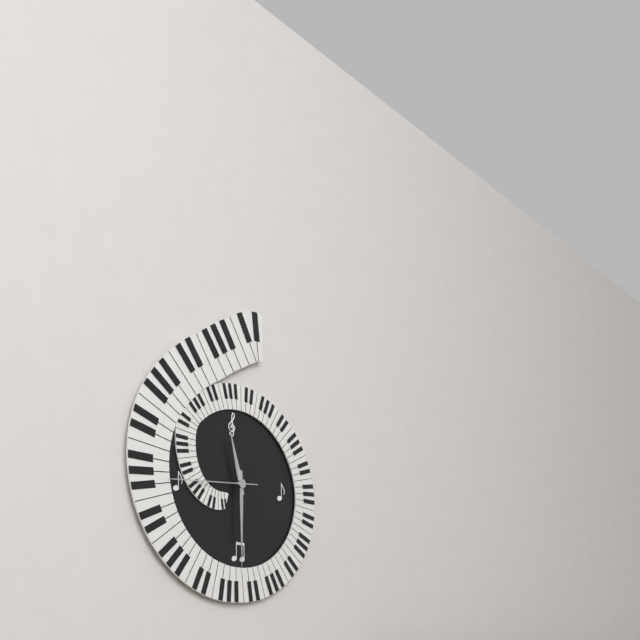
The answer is 11:30:44
